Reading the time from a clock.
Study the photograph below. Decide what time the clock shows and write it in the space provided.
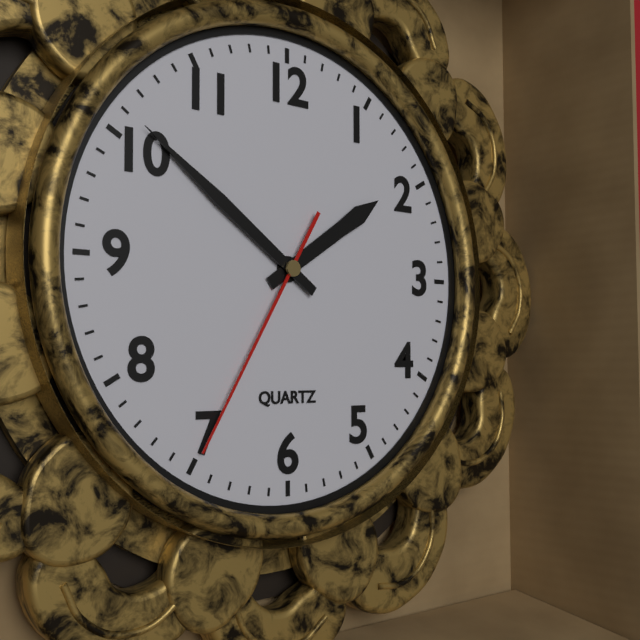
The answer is 1:51:35
